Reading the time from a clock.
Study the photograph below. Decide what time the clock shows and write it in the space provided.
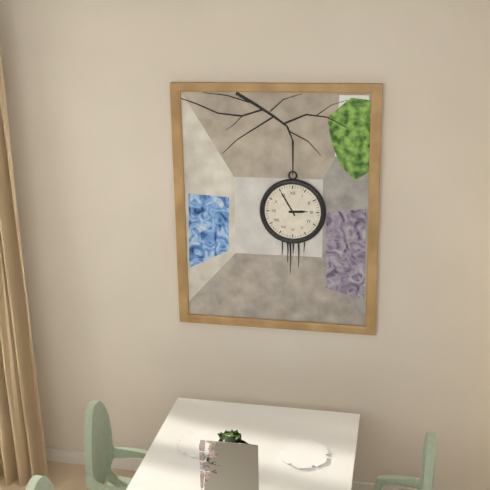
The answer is 2:55
